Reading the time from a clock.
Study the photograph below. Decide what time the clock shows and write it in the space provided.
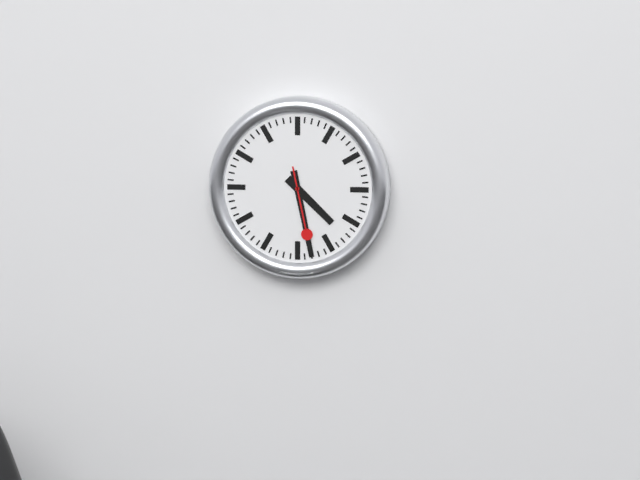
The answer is 4:28:28
